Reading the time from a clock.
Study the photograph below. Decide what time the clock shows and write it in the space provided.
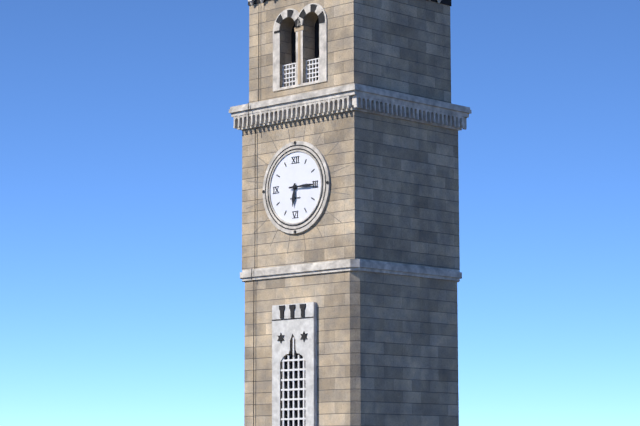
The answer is 6:15
